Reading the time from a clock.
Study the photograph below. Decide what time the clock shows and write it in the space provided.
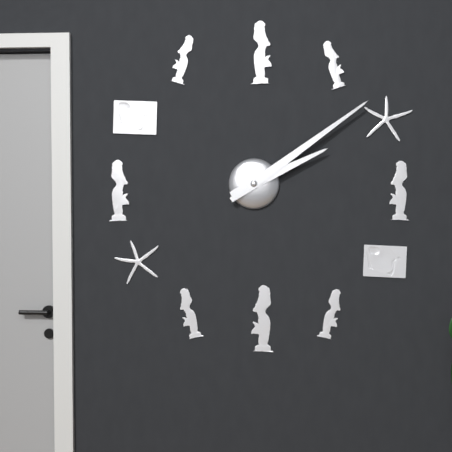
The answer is 2:09
